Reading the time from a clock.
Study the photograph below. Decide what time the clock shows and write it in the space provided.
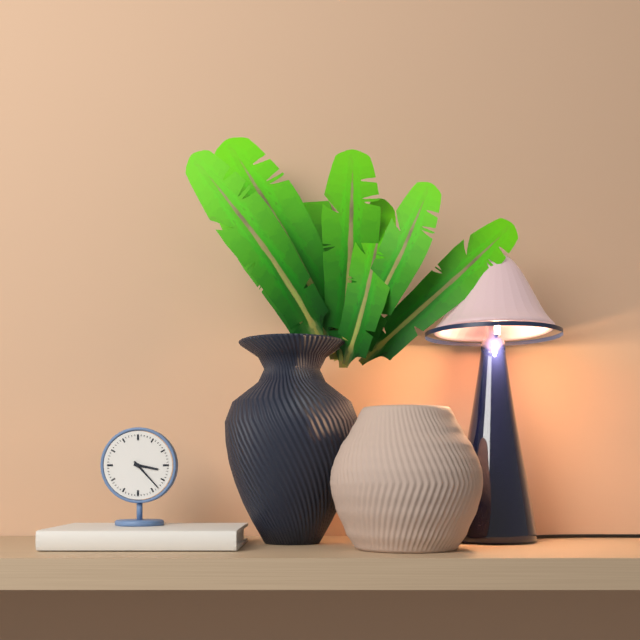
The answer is 3:23
